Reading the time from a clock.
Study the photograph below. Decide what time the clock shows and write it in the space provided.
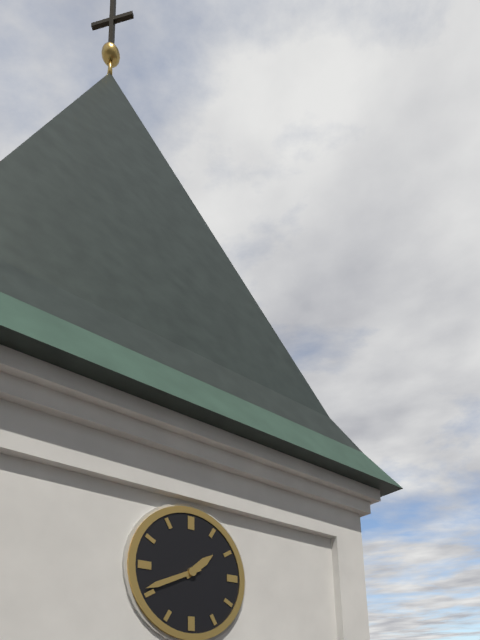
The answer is 1:41
